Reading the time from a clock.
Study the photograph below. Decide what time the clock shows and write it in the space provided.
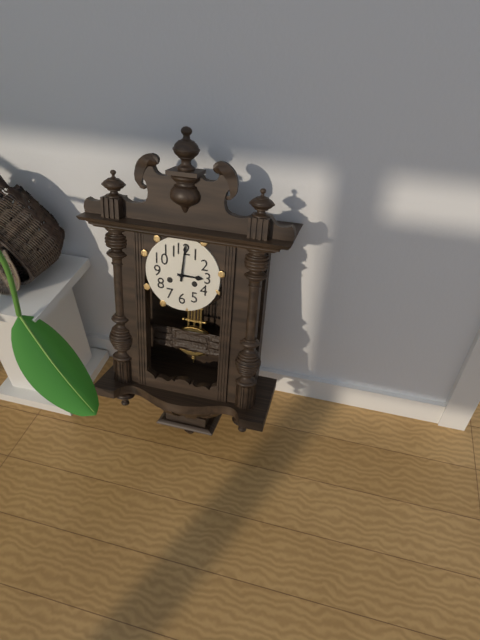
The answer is 3:01
